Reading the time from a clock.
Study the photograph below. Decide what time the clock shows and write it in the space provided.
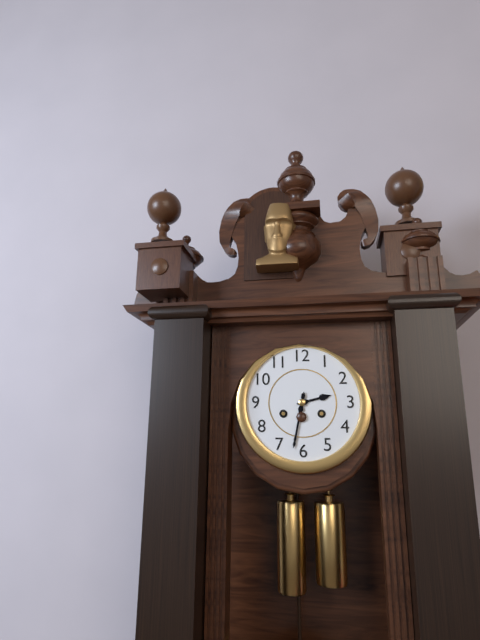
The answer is 2:32
